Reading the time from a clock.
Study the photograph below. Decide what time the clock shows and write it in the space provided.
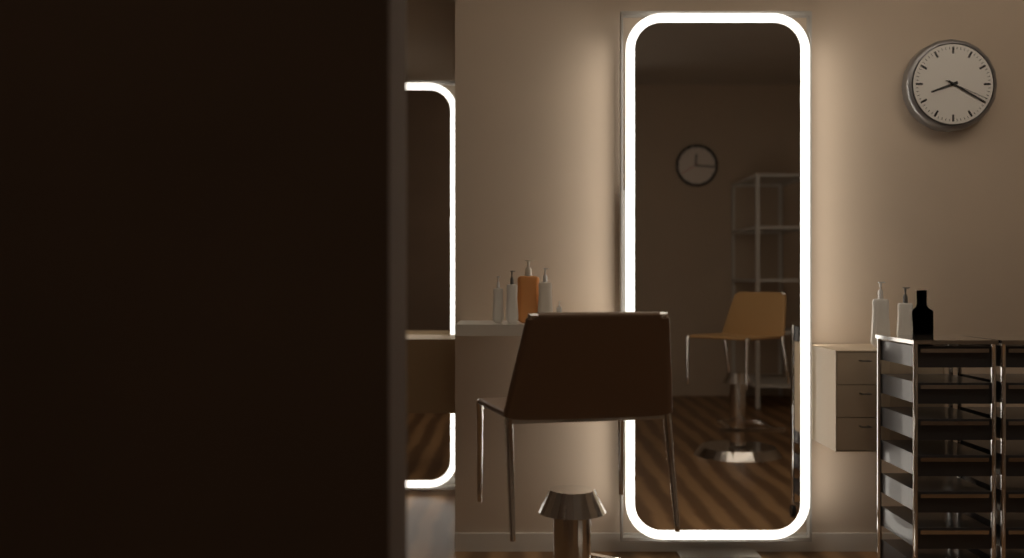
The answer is 8:20
